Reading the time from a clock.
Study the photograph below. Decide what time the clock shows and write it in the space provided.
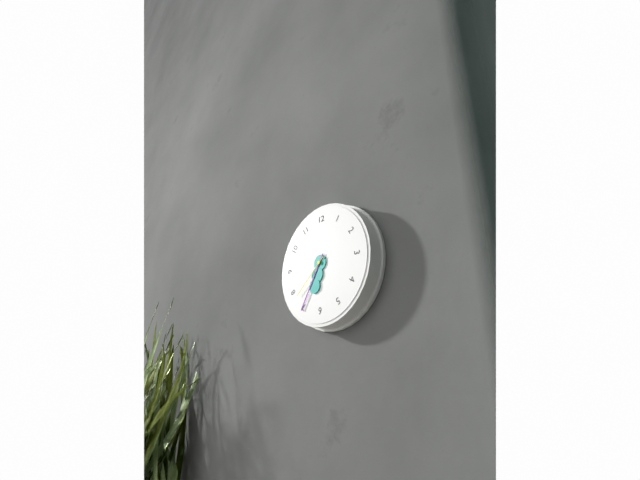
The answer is 6:35:38
